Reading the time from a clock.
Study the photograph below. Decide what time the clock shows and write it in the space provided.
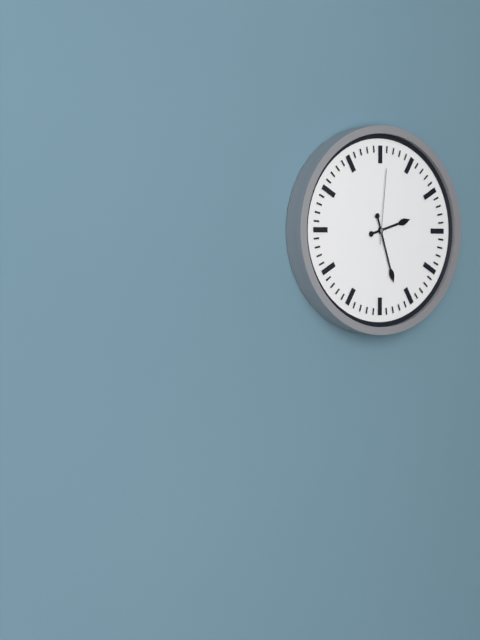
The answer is 2:27:01
